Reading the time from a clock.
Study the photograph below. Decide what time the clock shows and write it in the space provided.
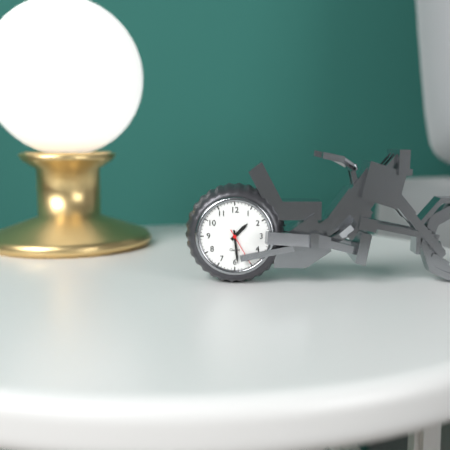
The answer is 1:29
